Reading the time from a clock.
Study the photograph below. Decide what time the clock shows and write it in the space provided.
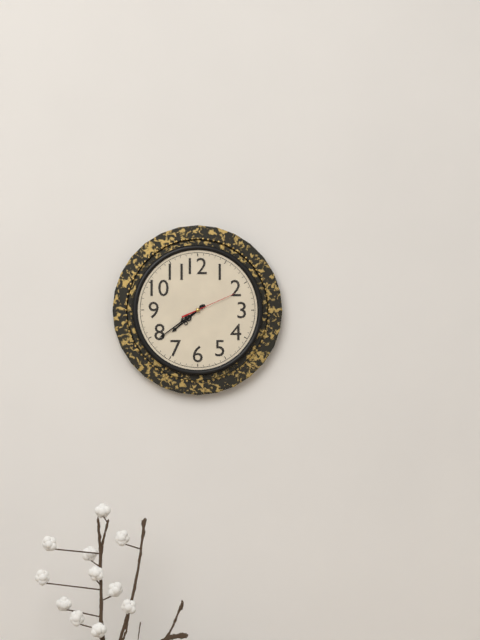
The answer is 7:39:11
